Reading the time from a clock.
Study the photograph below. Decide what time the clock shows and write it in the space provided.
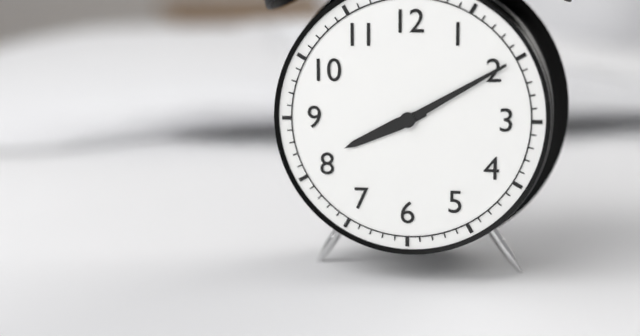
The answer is 8:10
